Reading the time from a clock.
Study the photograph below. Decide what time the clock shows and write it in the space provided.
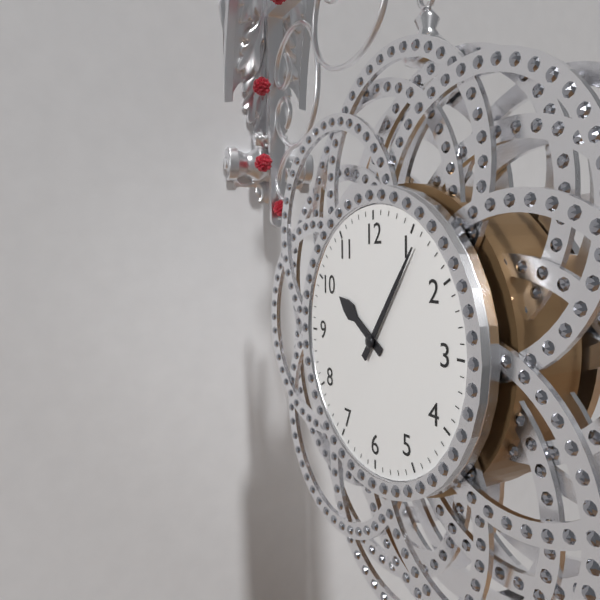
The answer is 10:06
